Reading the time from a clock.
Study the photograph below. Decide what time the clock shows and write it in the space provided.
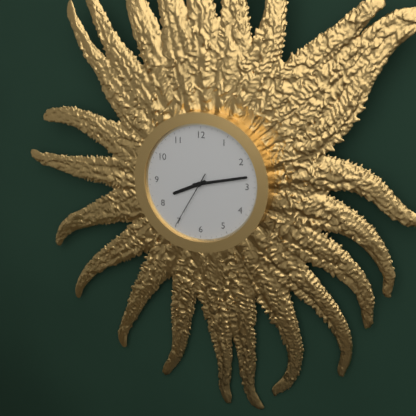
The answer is 8:13:35
